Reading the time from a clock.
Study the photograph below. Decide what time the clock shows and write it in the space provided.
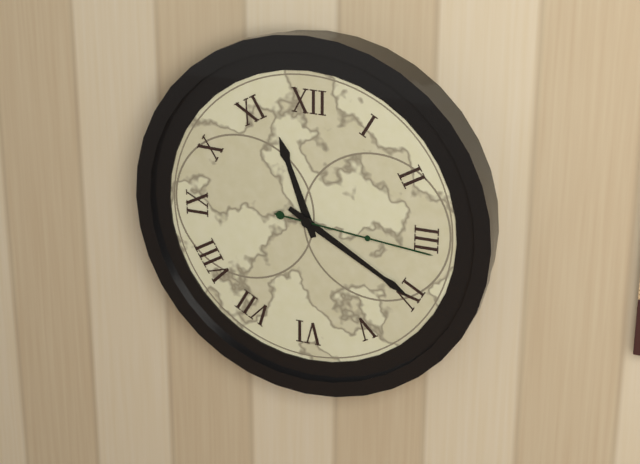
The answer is 11:20:16
